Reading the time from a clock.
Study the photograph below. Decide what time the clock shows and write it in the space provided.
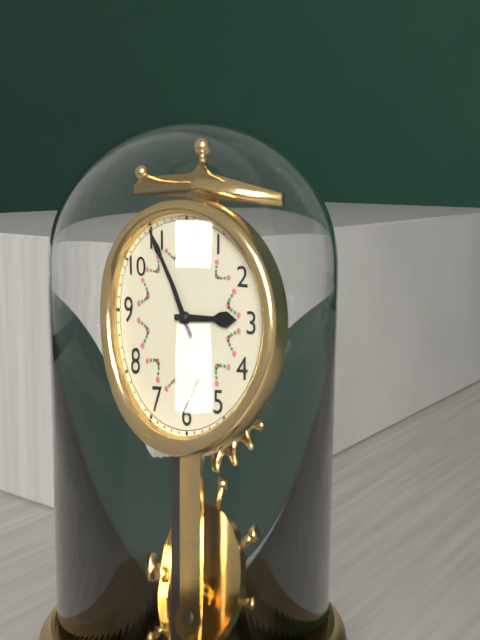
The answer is 2:55
